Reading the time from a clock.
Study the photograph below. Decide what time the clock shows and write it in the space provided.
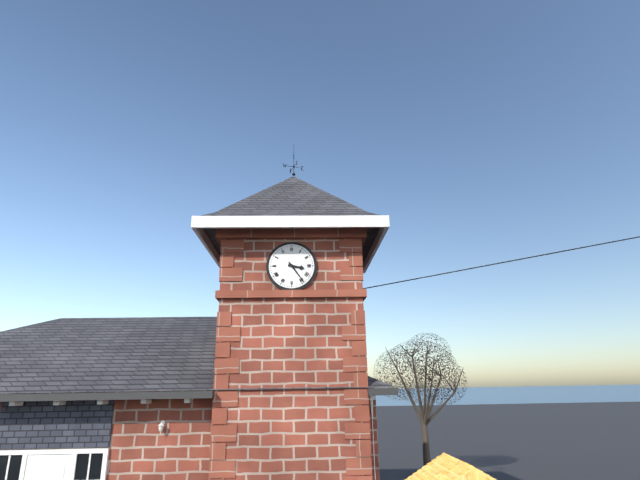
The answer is 3:24
